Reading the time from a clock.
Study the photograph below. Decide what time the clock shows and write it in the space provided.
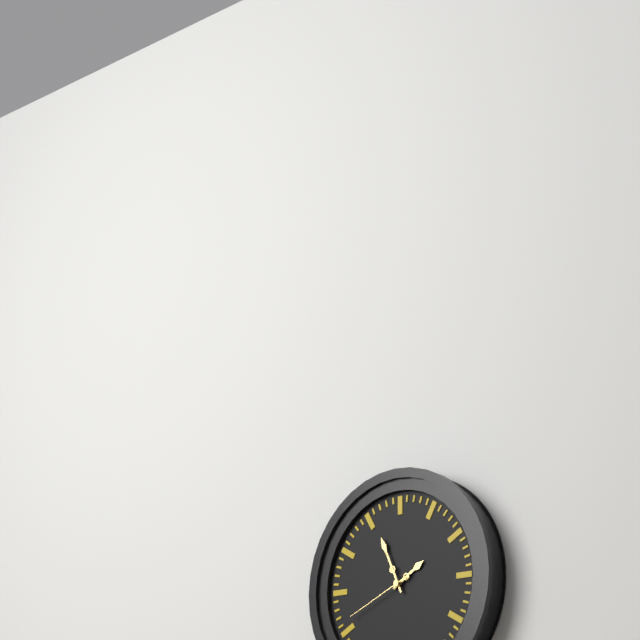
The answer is 1:56:41
